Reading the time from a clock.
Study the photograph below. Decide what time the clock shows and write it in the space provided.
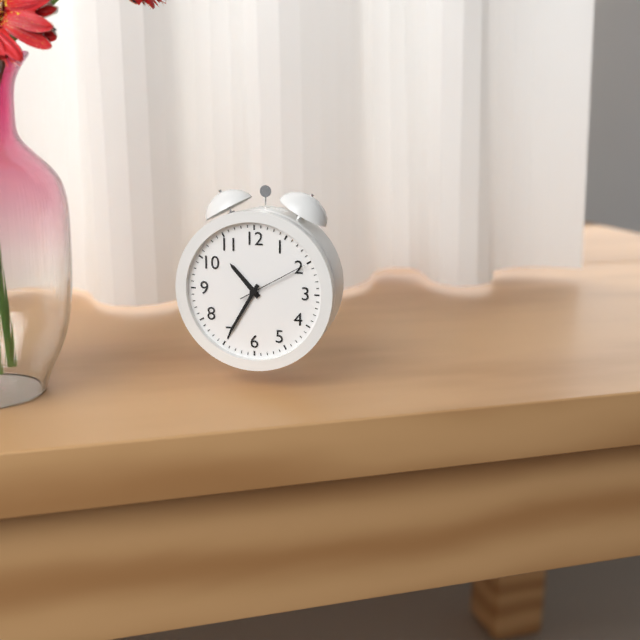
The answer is 10:35:10
